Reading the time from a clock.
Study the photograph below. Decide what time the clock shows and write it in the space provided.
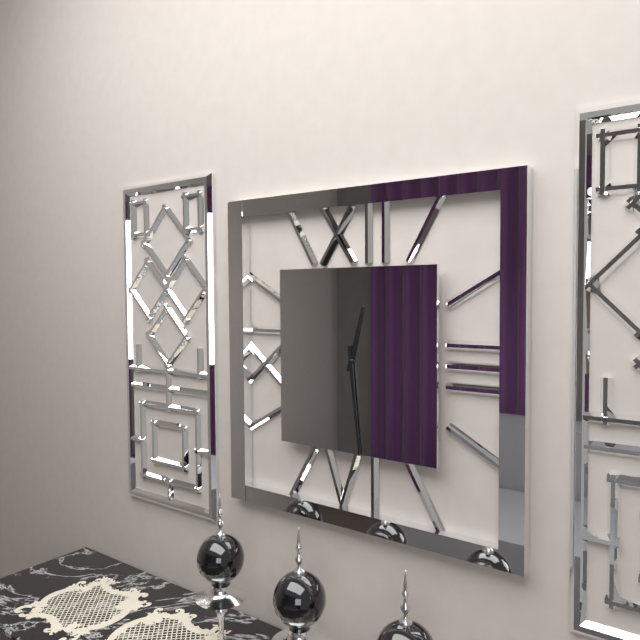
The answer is 12:29
